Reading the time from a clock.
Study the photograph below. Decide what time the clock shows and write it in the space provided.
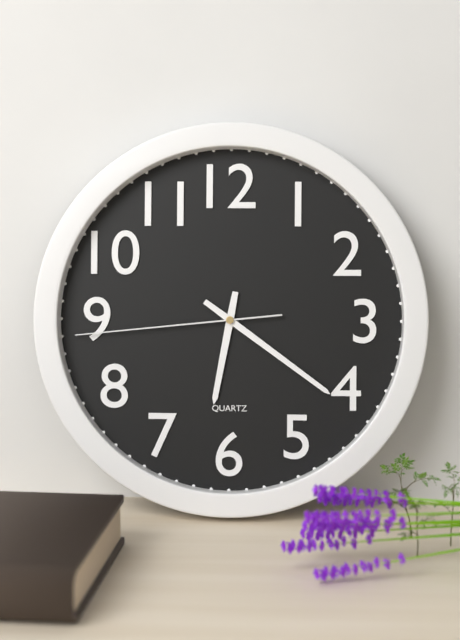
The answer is 6:21:44
